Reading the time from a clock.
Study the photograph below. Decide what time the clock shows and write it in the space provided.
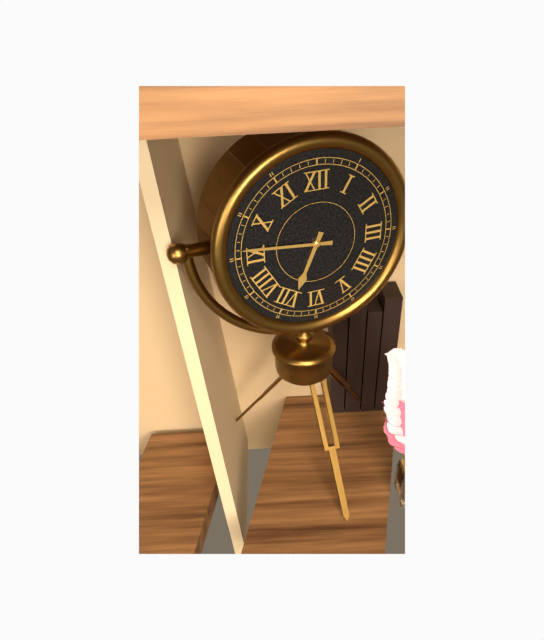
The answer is 6:46
